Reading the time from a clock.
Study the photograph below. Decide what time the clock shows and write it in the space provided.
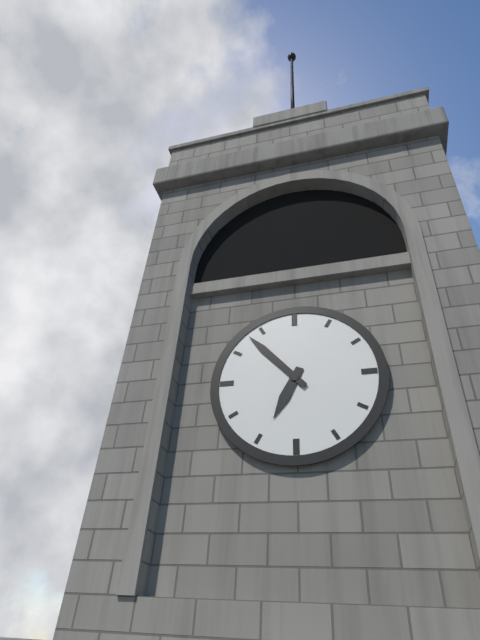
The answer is 6:53
